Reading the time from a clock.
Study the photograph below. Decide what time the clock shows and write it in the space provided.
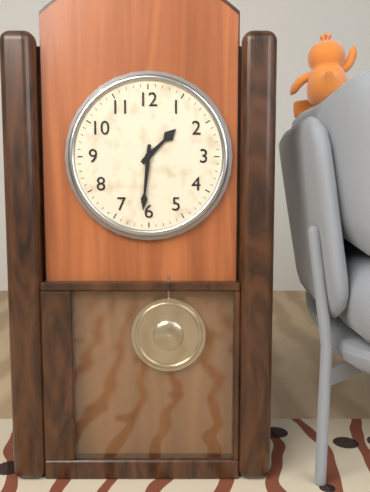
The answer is 1:31
